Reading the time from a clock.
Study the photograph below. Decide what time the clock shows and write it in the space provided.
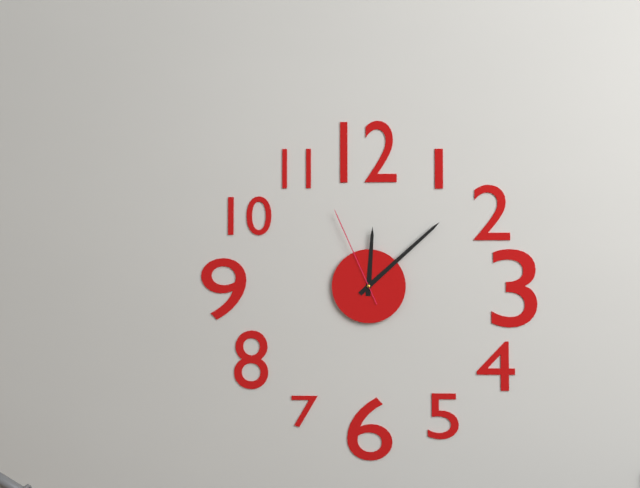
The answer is 12:08:56
